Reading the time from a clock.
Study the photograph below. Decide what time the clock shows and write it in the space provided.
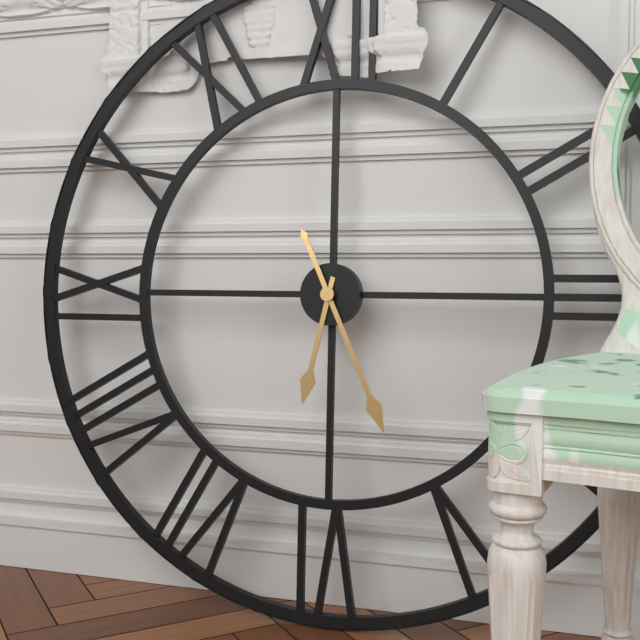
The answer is 6:26
